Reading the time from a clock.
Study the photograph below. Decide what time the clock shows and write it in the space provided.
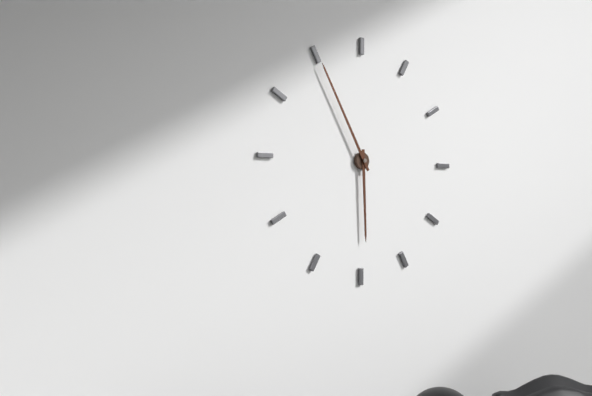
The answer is 5:55
